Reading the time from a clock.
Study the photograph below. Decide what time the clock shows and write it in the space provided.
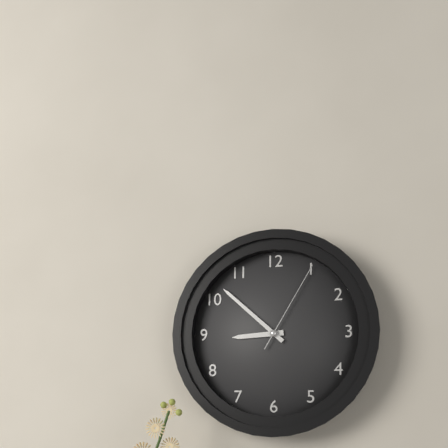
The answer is 8:52:05
